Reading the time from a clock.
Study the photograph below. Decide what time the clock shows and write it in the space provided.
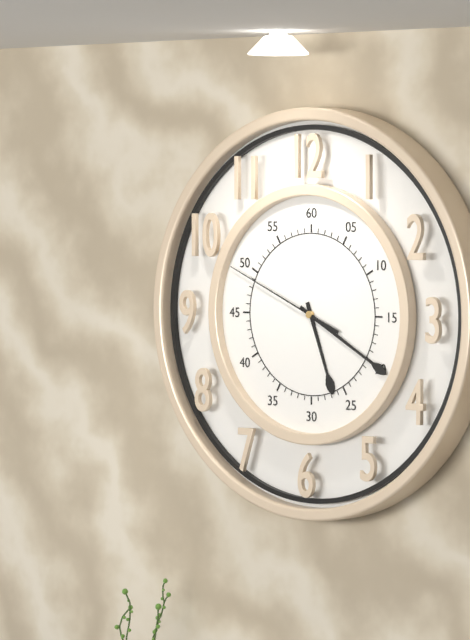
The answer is 5:20:49
